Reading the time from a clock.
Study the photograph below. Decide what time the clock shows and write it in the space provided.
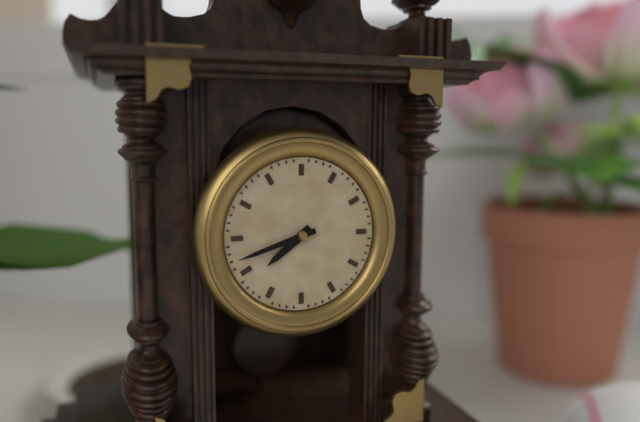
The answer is 7:42
